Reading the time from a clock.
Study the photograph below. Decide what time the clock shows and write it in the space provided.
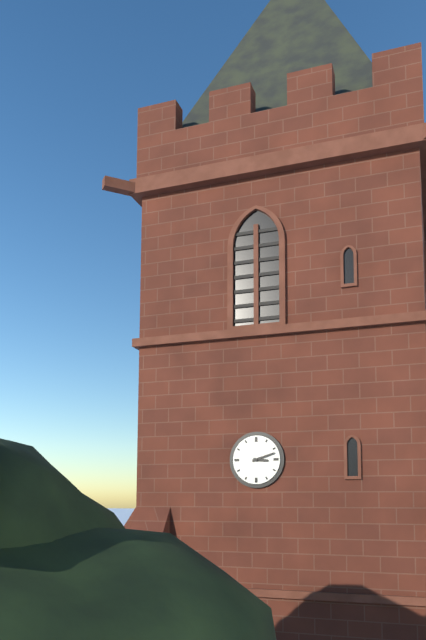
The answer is 3:12
